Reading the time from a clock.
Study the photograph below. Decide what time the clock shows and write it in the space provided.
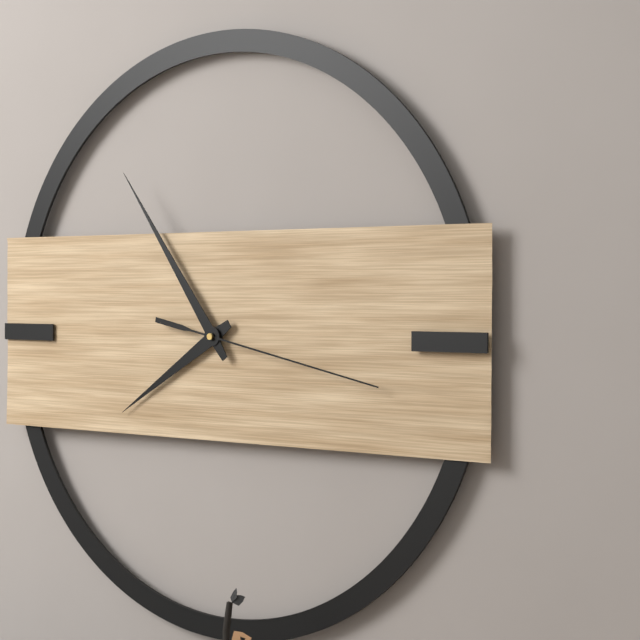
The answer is 7:54:17
